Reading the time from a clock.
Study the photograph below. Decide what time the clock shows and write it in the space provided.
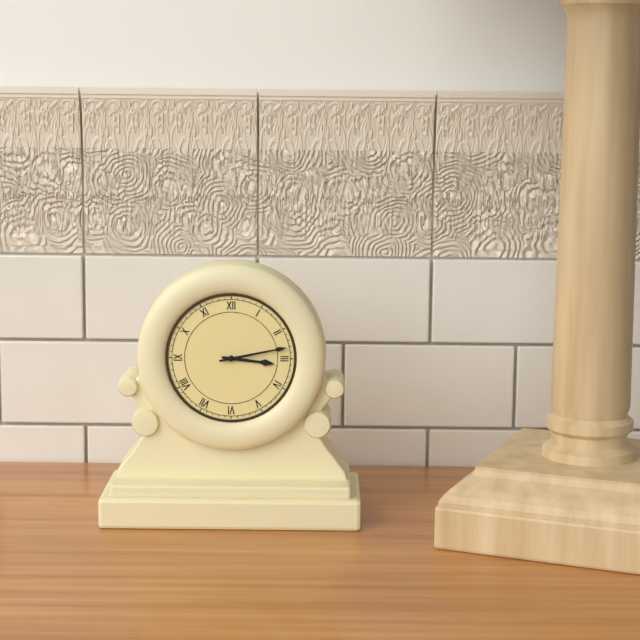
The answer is 3:13
